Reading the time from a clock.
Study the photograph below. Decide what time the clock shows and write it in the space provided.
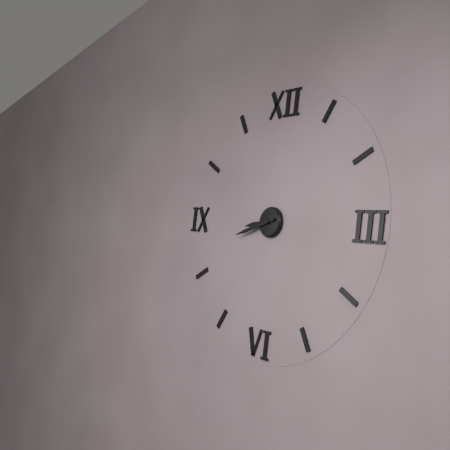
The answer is 8:42
